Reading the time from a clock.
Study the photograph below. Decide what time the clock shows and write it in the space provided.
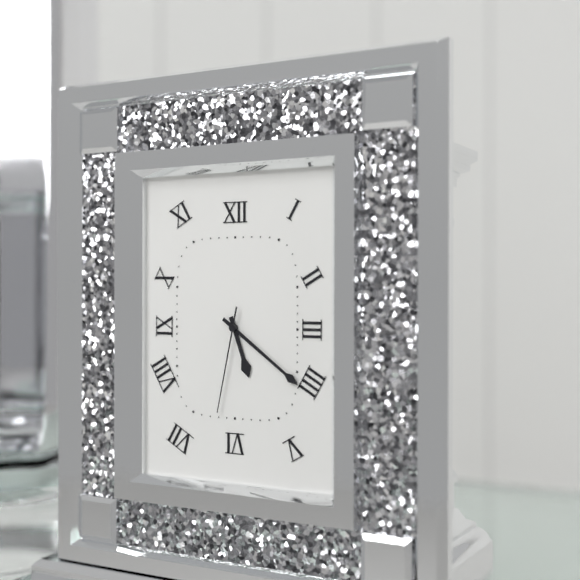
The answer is 5:21:32
